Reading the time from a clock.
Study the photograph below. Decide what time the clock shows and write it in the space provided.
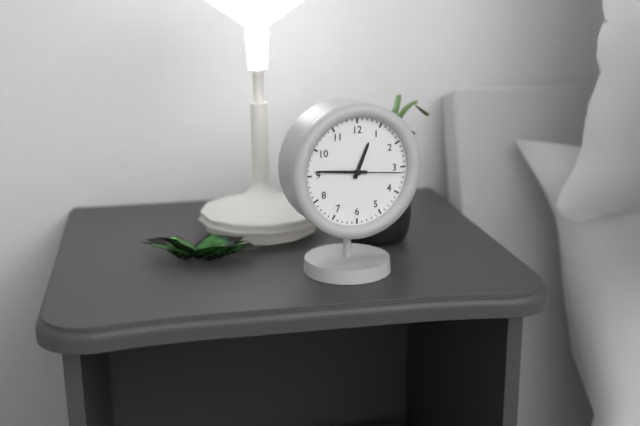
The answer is 12:46:16
